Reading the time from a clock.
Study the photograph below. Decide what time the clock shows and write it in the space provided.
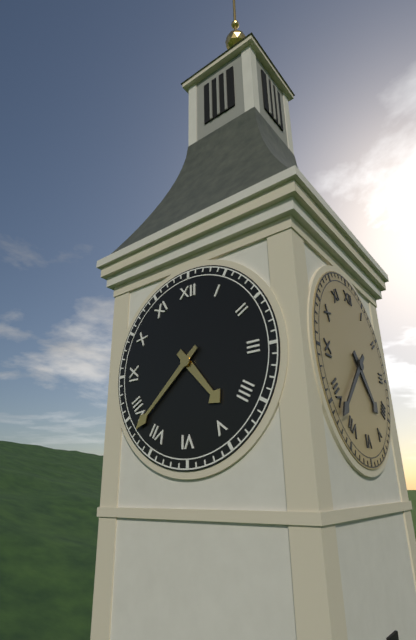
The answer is 4:38
